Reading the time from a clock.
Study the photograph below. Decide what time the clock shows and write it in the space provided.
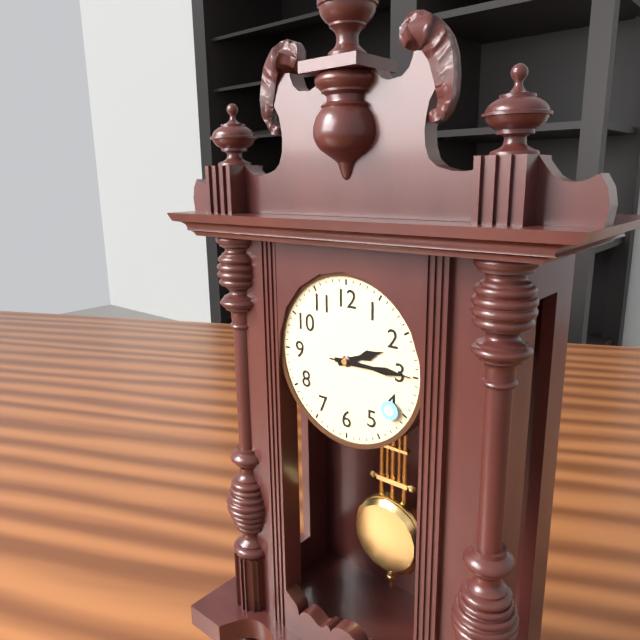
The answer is 2:15:15
